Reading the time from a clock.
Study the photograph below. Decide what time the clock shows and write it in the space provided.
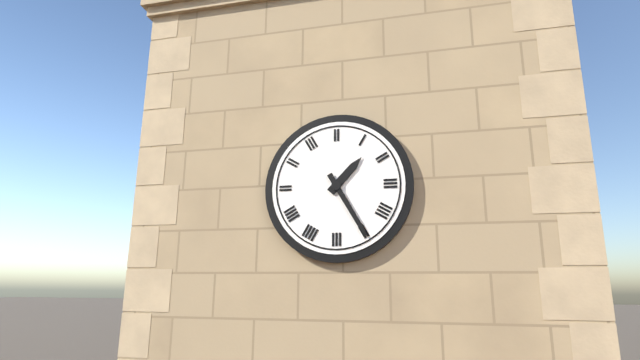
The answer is 1:25
